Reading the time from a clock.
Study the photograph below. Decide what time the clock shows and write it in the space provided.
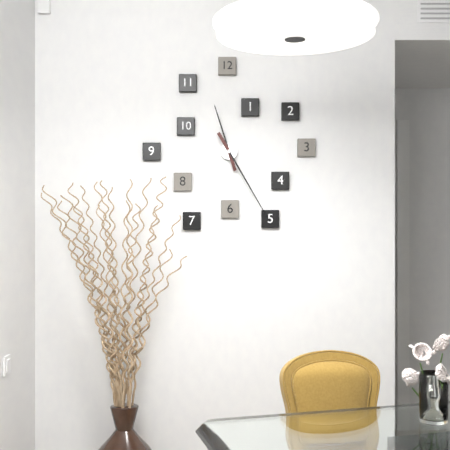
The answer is 11:25
